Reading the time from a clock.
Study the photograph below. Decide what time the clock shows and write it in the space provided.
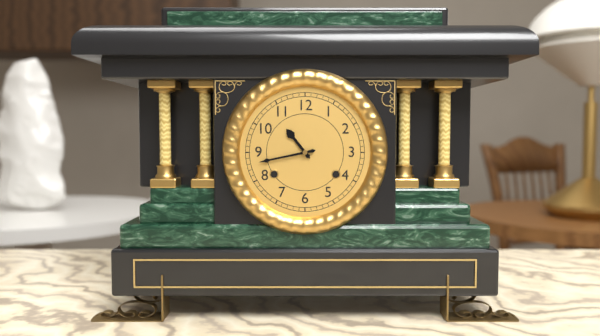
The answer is 10:43
